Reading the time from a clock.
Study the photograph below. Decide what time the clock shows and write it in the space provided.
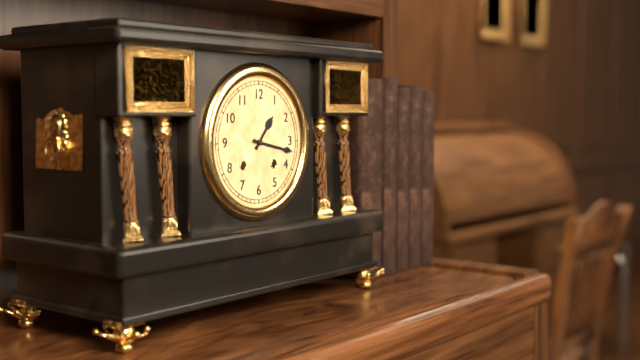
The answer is 1:17
